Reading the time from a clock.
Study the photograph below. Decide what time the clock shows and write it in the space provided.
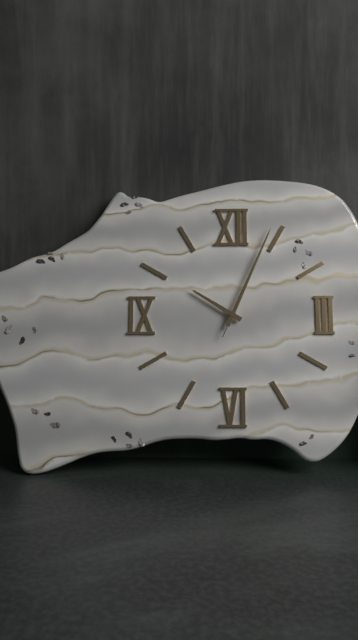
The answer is 10:04:04
